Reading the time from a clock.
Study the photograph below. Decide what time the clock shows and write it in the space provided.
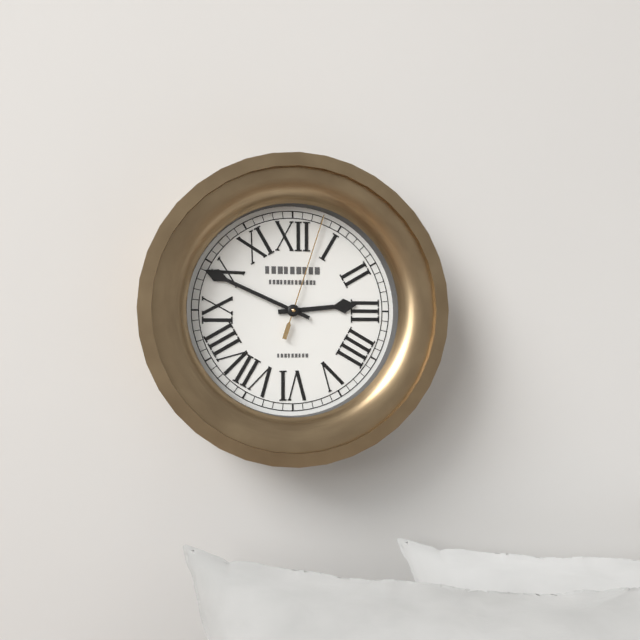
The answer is 2:49:03
